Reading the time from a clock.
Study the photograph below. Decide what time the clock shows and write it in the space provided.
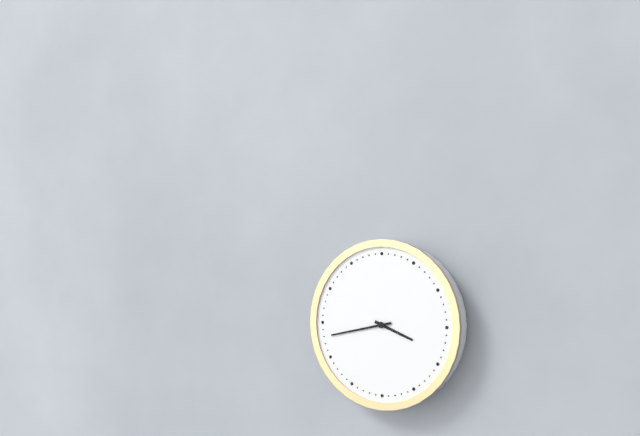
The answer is 3:43
